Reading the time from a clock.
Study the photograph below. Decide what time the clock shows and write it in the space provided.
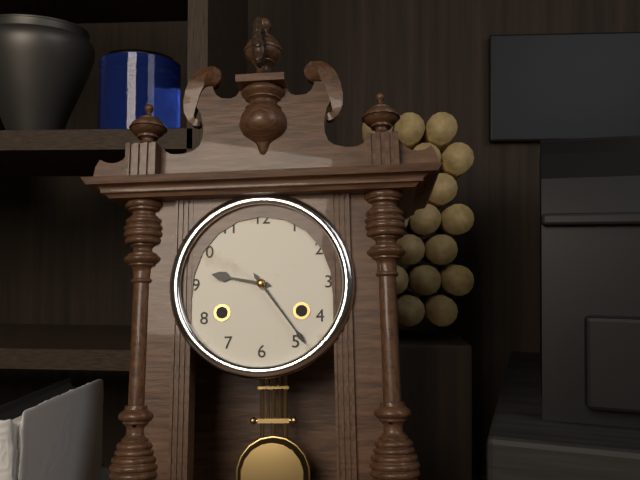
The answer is 9:24
